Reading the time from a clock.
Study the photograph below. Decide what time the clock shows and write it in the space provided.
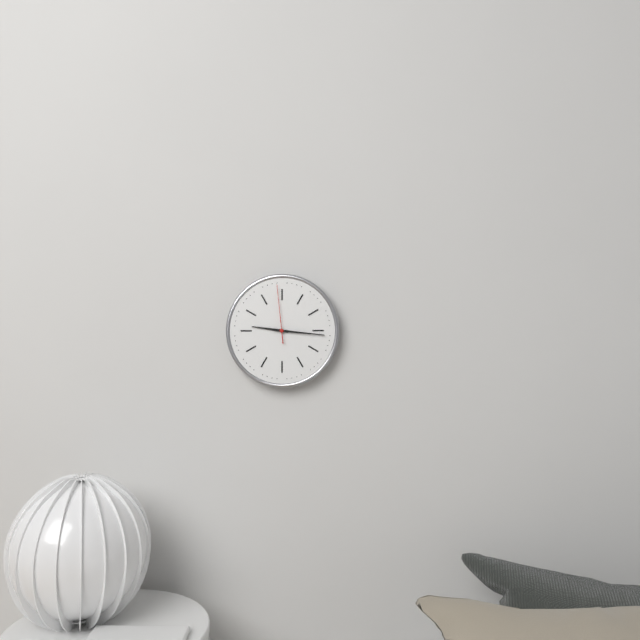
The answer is 9:16:59
